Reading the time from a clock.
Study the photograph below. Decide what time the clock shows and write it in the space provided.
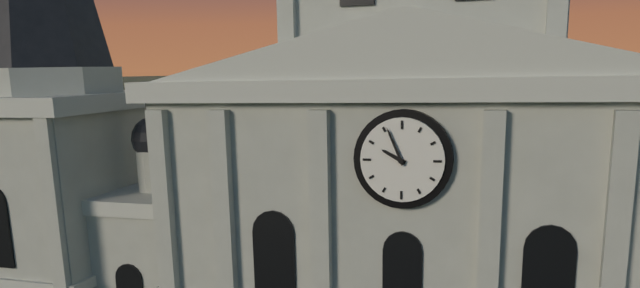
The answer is 9:56
